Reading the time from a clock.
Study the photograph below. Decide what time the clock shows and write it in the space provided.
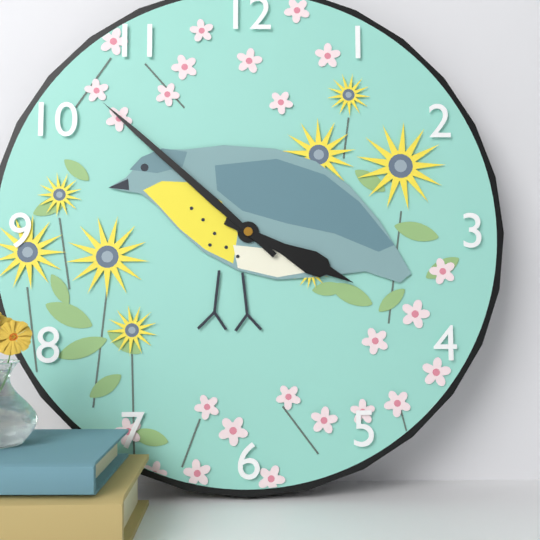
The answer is 3:52
